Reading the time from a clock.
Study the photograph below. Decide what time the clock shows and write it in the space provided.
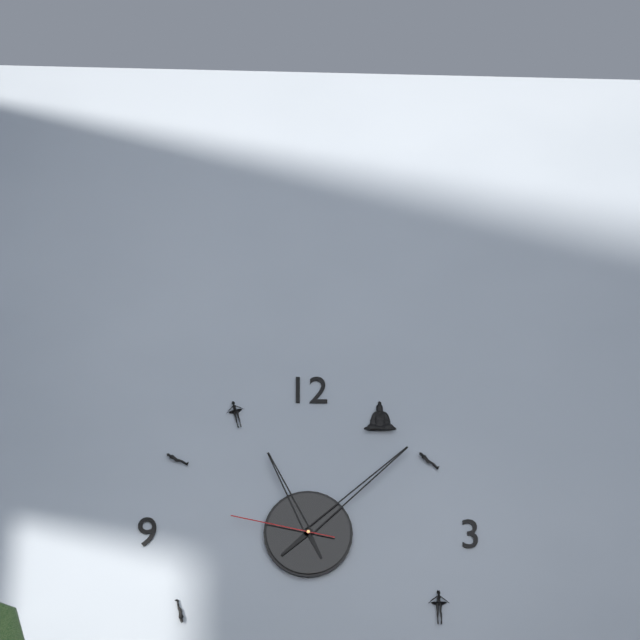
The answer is 11:08:47
